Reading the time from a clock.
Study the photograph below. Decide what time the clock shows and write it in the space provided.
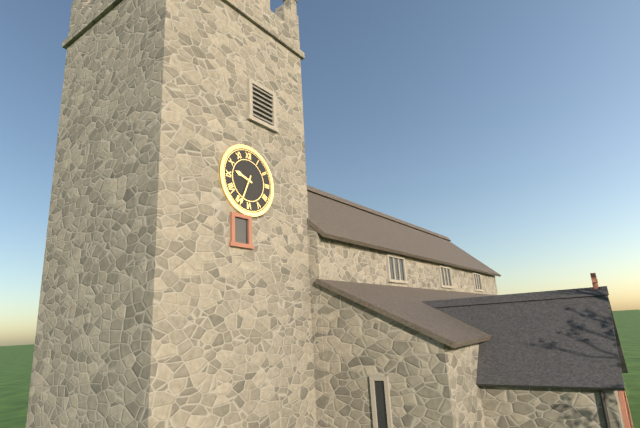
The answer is 9:34
